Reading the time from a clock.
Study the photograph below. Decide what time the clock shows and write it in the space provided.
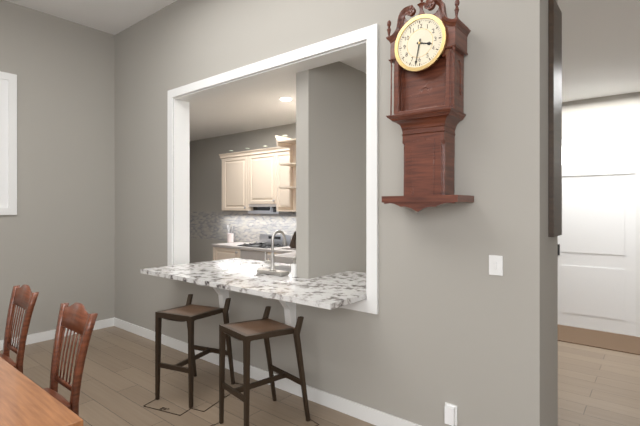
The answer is 3:32
